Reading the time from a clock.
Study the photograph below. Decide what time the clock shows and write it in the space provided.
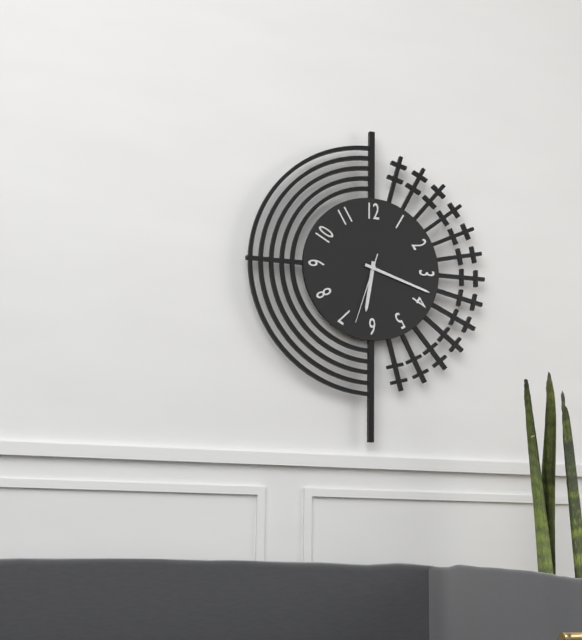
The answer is 6:18:33
